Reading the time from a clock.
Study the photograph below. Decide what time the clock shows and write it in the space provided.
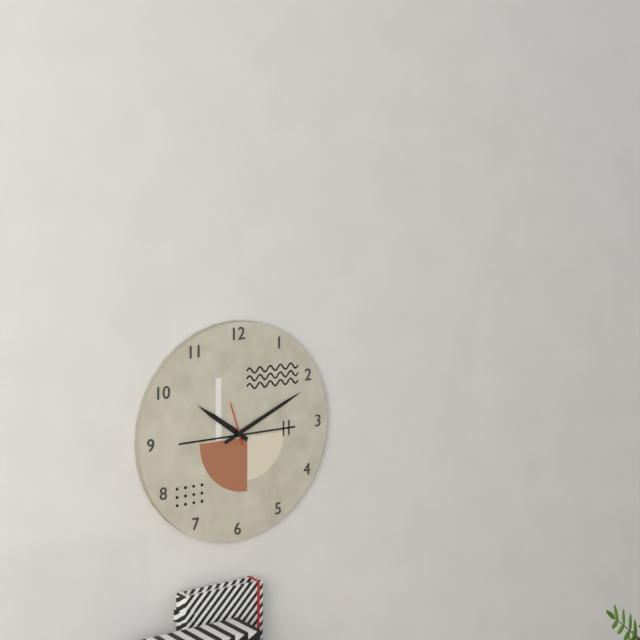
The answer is 10:11
